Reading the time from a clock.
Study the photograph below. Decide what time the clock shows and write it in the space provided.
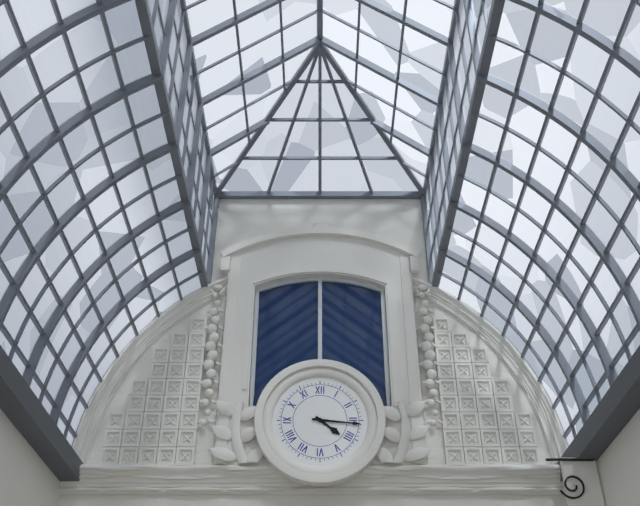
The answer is 4:16
